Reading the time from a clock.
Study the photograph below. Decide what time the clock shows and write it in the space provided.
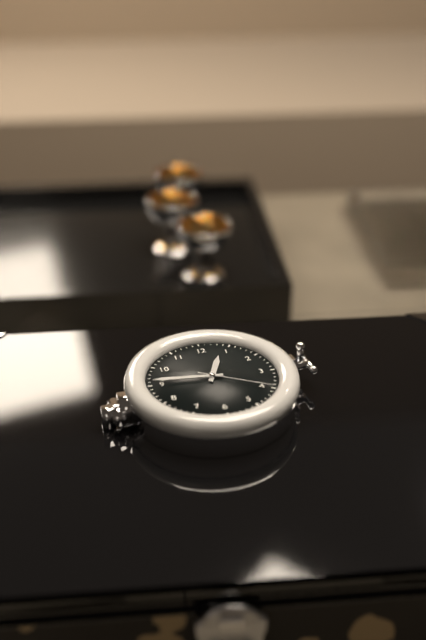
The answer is 12:46:20
